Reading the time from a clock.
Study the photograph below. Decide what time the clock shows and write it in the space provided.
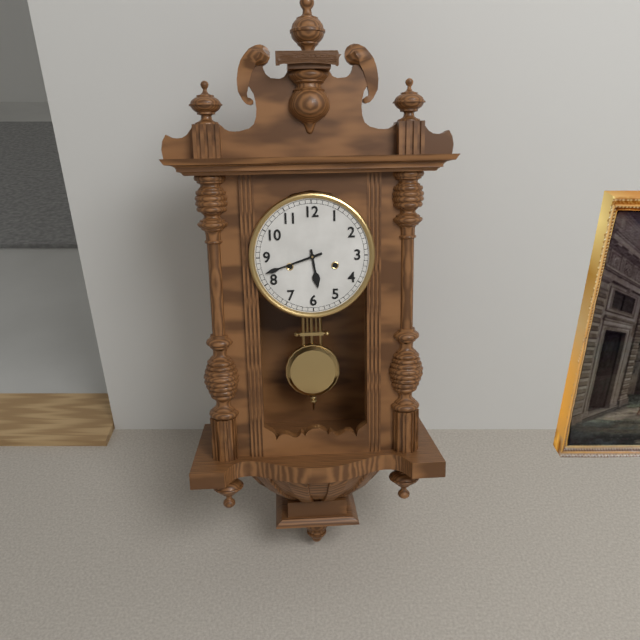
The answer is 5:42
